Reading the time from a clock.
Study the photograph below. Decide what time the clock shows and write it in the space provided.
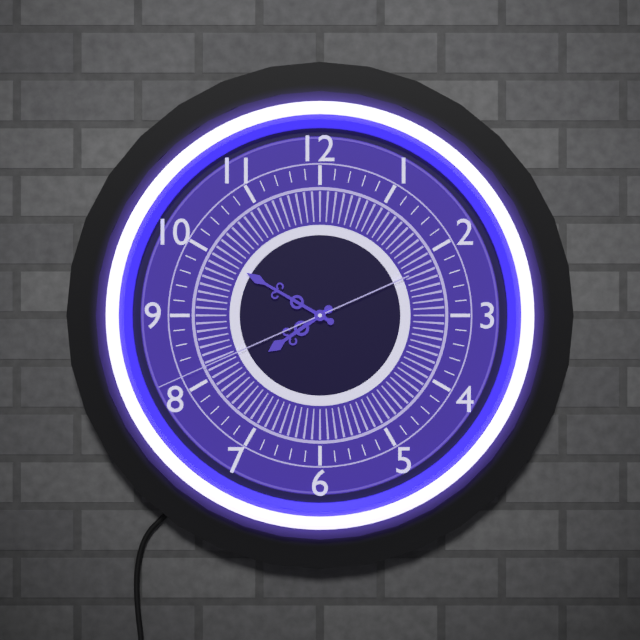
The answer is 7:50:41
